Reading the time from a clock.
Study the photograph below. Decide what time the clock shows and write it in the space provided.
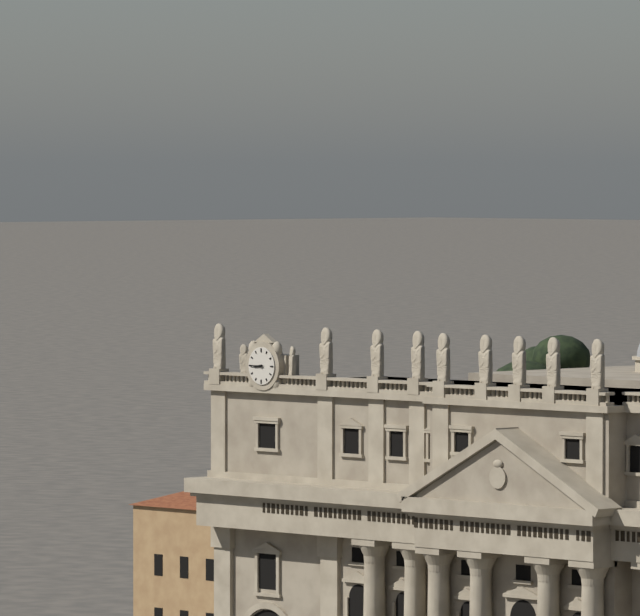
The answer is 8:45
